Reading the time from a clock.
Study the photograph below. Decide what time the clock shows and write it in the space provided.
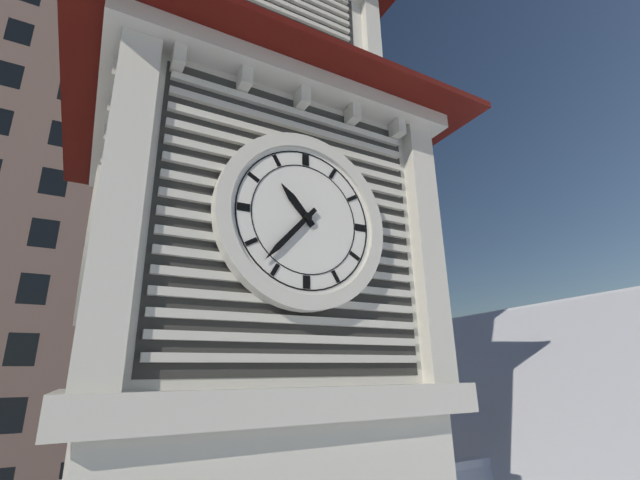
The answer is 10:37
